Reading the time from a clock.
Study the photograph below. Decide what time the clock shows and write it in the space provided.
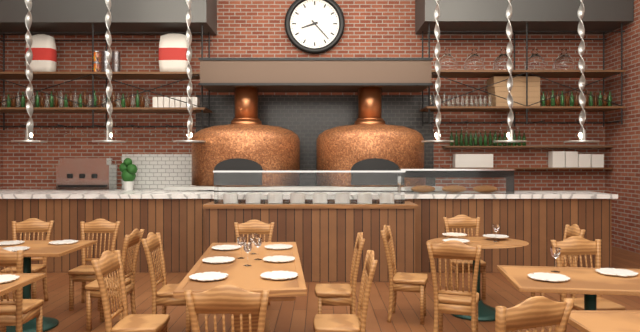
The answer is 8:23
